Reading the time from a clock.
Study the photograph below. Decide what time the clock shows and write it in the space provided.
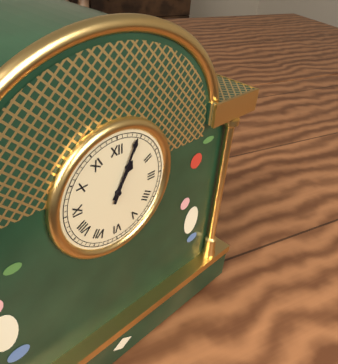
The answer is 1:04
